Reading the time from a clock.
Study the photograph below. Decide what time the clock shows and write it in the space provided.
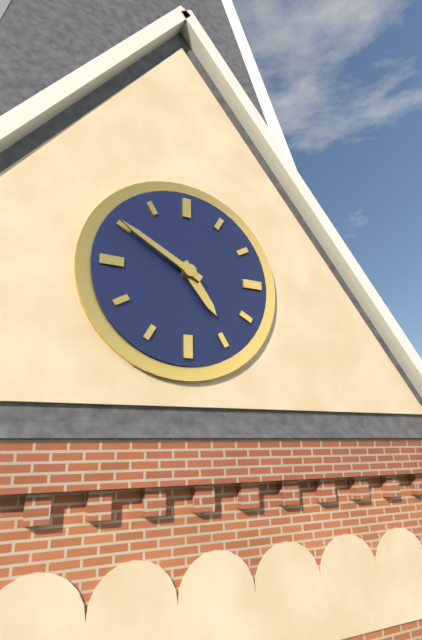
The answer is 4:50
